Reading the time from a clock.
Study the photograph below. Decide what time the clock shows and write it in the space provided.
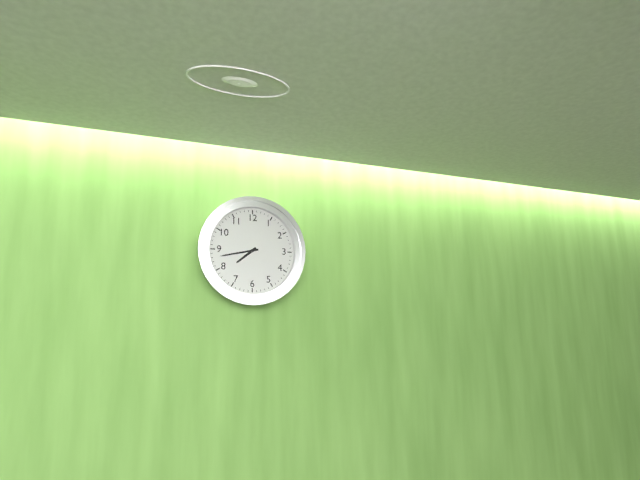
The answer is 7:43
